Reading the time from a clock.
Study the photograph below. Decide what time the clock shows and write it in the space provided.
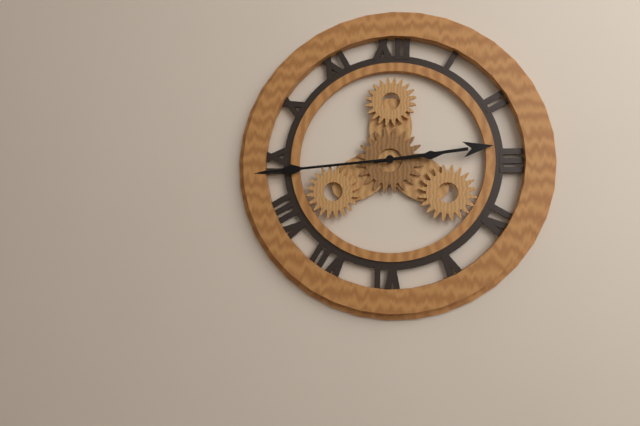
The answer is 2:44
